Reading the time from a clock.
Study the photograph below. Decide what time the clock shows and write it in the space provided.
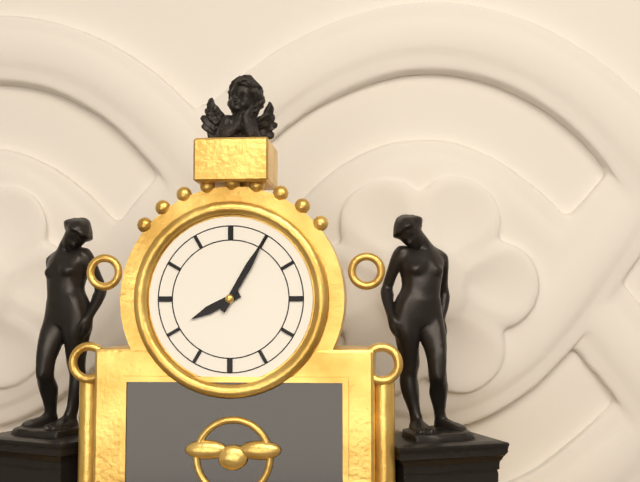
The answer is 8:05
